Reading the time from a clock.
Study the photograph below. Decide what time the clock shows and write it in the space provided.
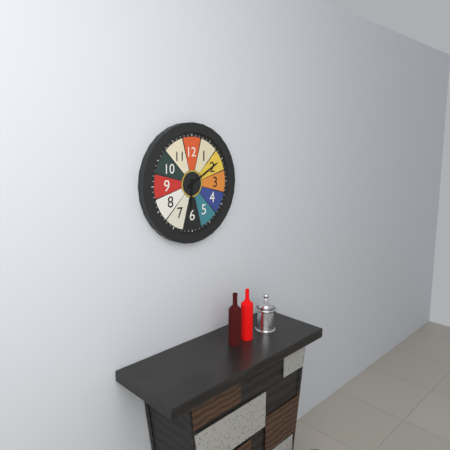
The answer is 6:10
